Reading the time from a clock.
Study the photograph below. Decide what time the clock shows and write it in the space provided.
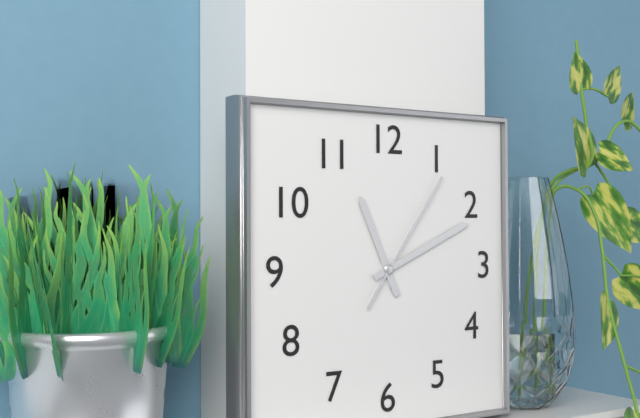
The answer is 11:11:06
